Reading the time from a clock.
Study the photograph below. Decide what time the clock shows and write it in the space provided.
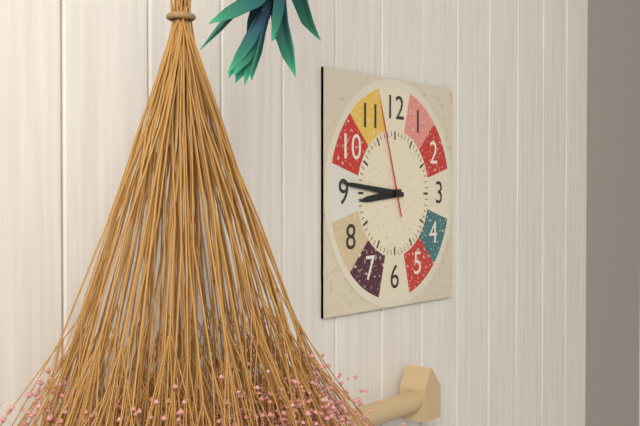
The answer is 8:46:57
